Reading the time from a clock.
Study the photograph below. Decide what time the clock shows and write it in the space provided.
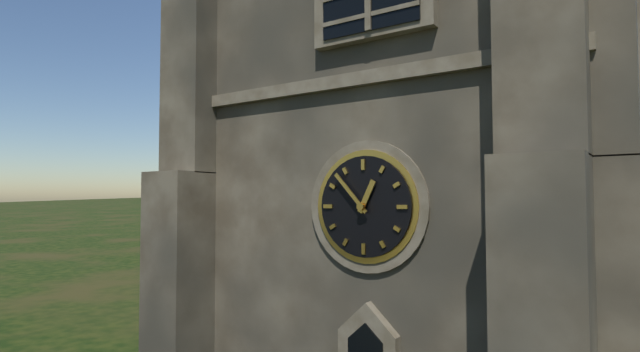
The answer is 12:53
